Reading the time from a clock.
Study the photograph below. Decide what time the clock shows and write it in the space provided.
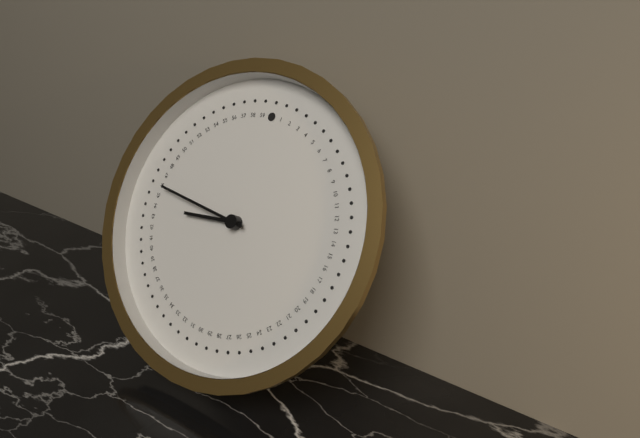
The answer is 8:46
